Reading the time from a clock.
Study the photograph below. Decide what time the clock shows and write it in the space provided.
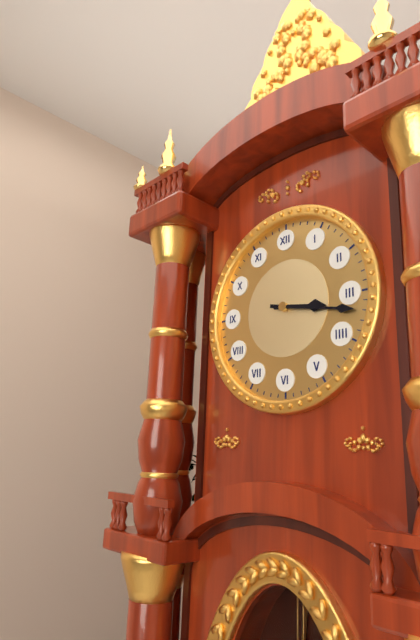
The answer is 3:17
